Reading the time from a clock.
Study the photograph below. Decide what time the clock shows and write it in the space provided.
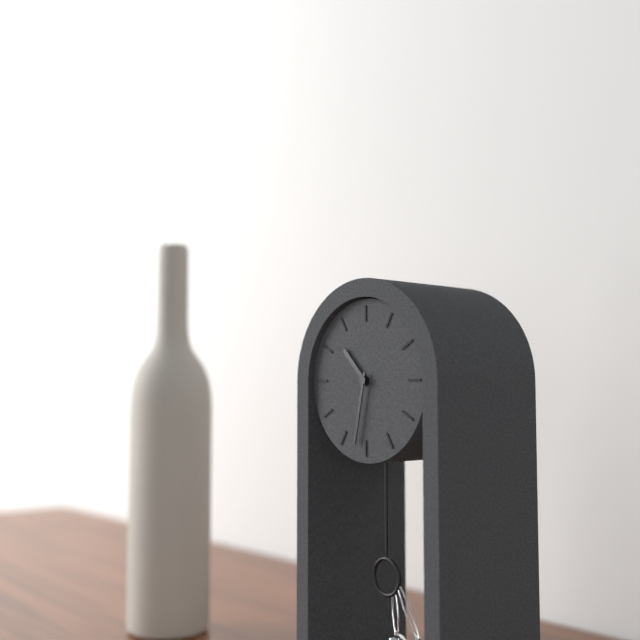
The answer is 10:32
